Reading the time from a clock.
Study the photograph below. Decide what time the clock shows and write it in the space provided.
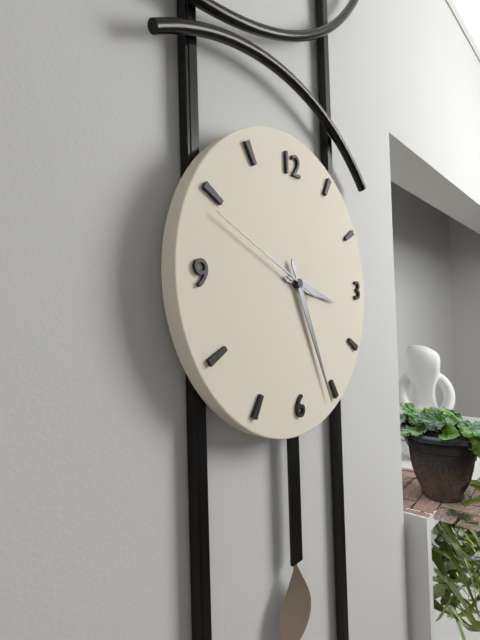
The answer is 3:26:49
